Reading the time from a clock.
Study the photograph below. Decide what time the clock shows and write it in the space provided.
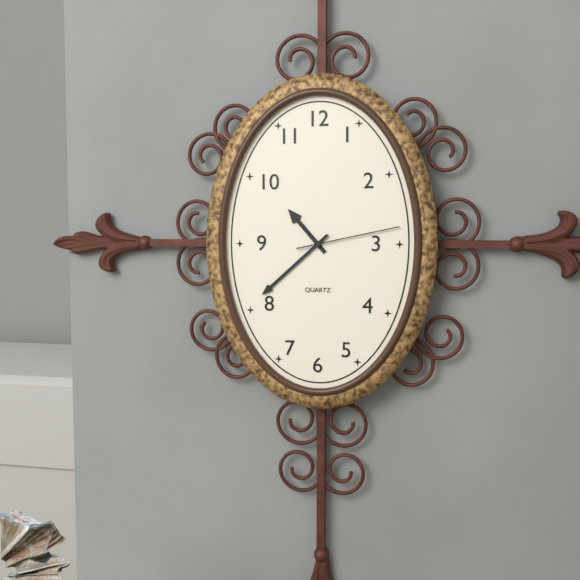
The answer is 10:38:13
